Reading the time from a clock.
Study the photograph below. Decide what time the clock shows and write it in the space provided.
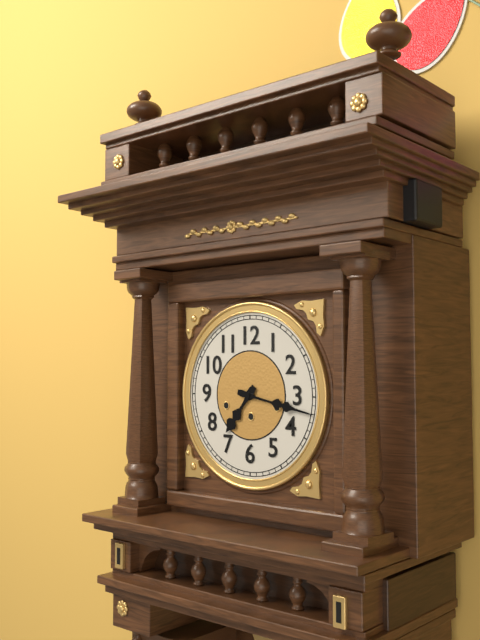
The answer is 7:17
